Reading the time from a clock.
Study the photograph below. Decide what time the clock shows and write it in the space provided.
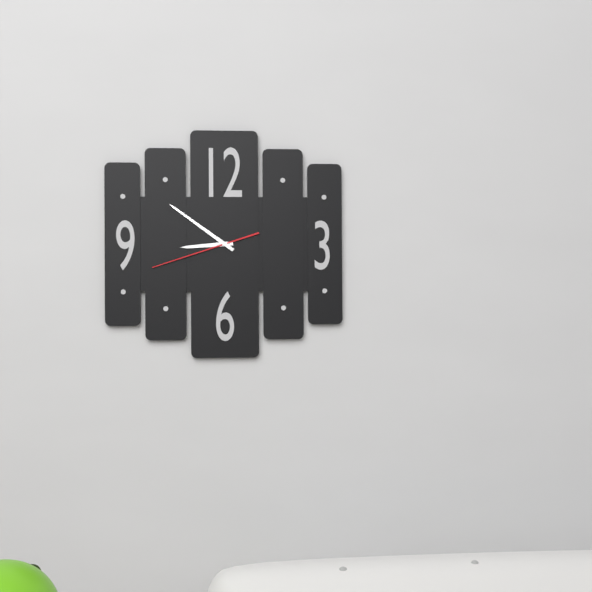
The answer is 8:51:42
